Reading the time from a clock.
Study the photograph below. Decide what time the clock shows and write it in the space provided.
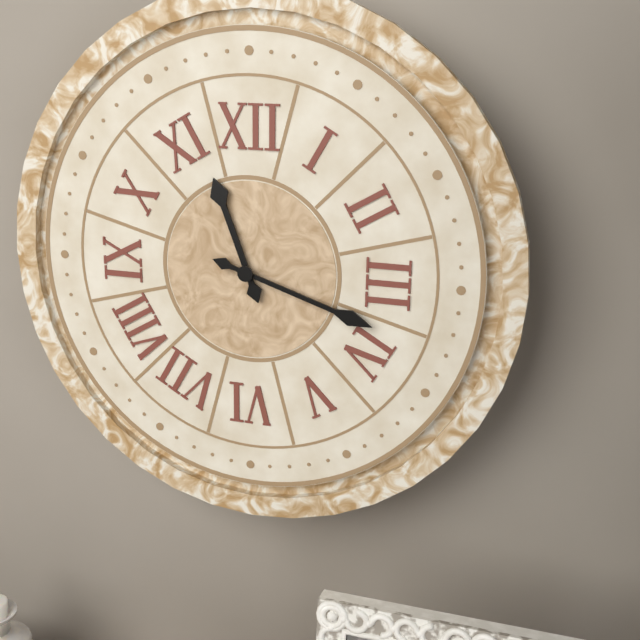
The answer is 11:18
